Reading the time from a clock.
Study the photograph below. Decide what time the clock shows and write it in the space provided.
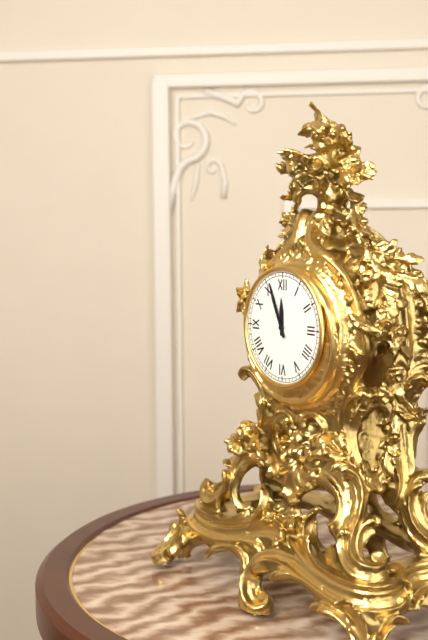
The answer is 11:56
